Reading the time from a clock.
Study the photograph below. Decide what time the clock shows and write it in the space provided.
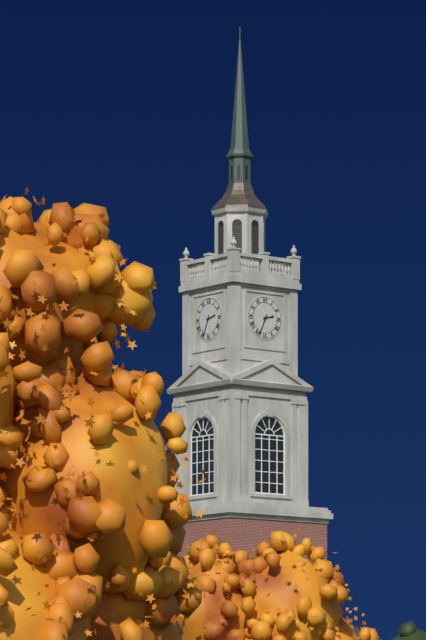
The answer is 2:34
